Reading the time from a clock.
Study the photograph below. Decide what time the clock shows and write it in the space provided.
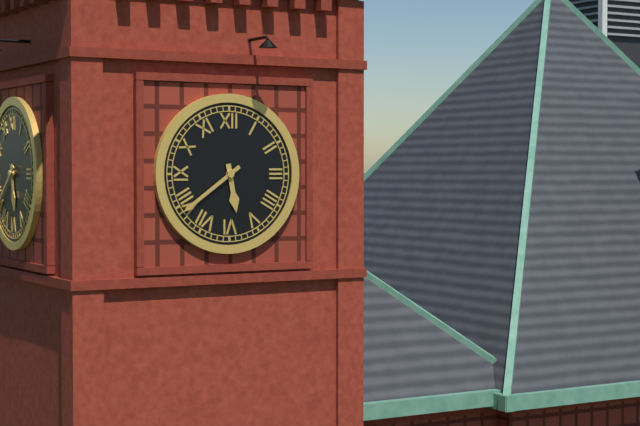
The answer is 5:39
